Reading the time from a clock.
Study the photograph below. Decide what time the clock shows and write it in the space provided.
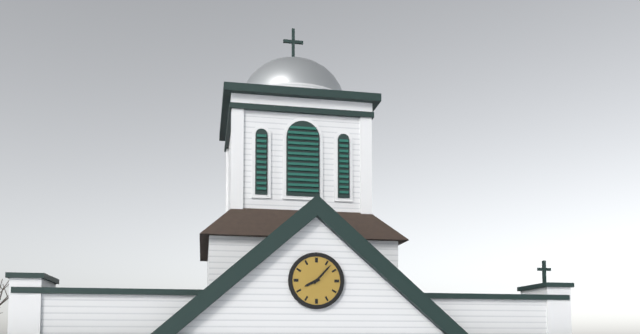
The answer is 8:07
